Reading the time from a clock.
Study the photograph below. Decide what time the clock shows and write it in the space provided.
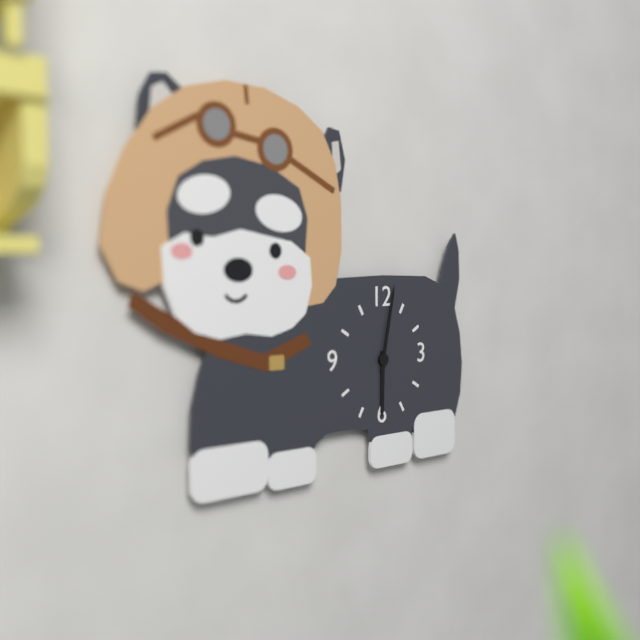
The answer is 6:02
